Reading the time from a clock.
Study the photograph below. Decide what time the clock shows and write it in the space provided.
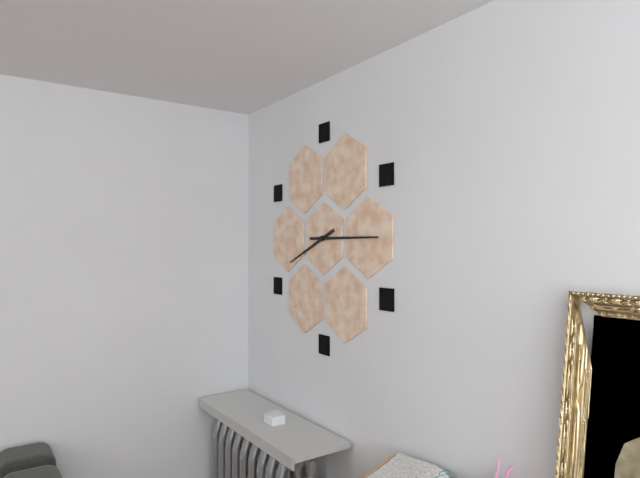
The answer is 8:15
